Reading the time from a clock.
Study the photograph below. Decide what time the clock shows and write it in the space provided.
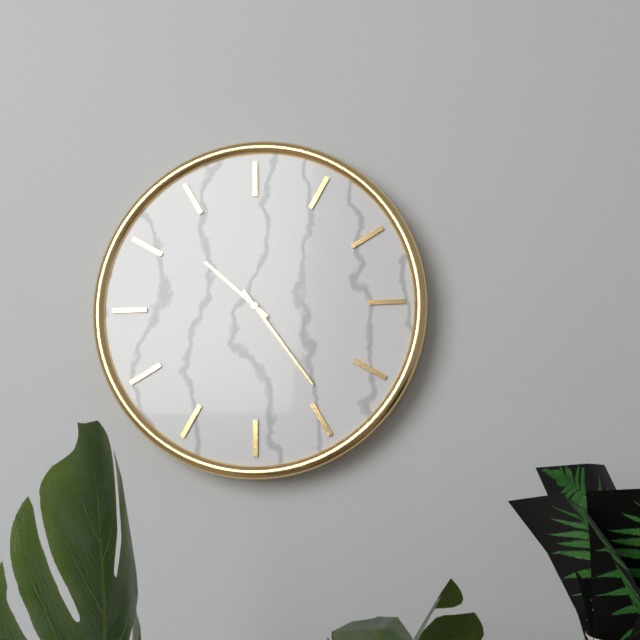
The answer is 10:24
